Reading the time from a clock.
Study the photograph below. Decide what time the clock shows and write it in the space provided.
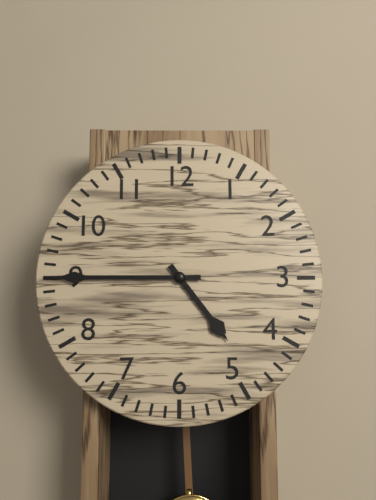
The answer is 4:45
